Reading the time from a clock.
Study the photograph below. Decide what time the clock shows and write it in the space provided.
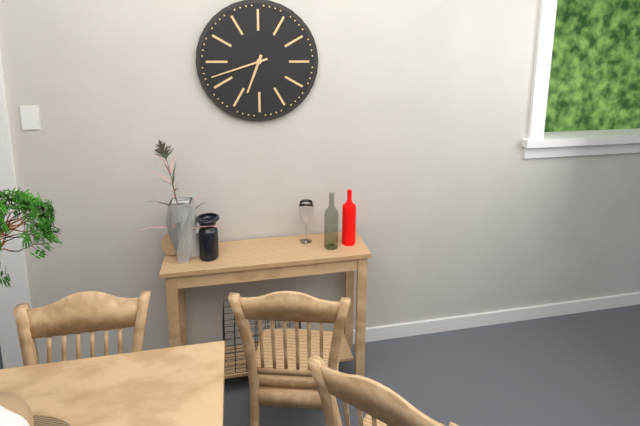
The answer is 6:42
